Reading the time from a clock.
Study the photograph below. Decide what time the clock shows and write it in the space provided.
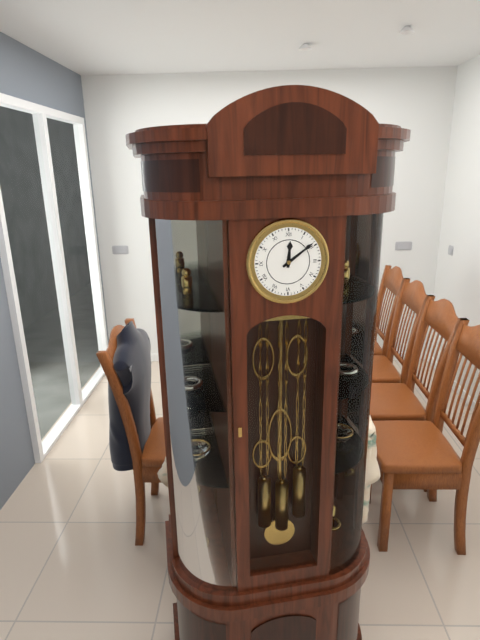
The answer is 12:09
